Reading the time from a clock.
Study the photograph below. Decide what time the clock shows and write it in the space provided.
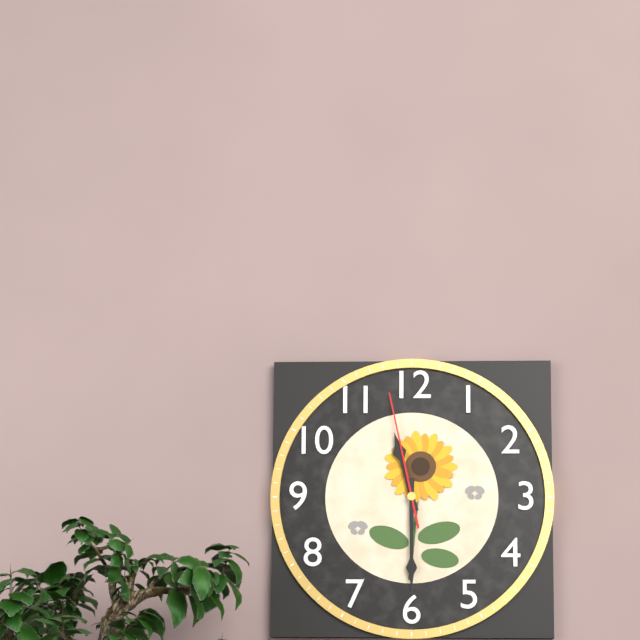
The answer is 11:30:58
